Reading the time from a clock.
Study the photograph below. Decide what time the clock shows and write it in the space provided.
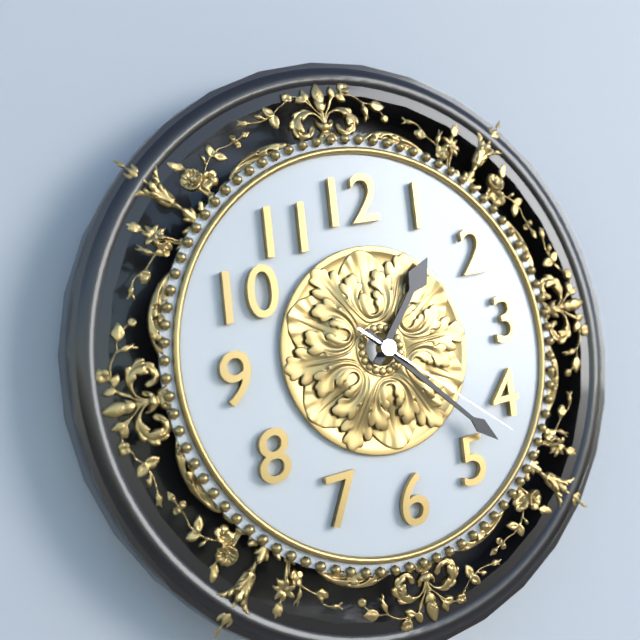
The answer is 1:23:22
